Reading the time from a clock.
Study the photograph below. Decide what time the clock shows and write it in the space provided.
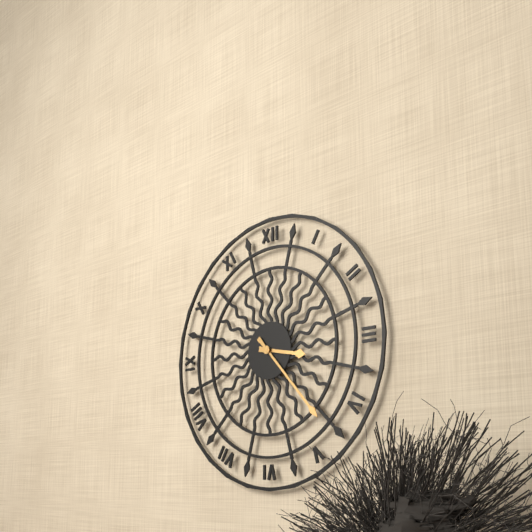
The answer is 3:23
